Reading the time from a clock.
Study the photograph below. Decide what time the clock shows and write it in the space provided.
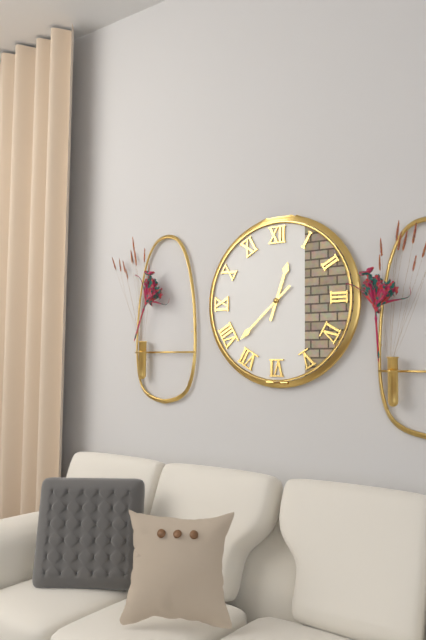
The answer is 12:38
